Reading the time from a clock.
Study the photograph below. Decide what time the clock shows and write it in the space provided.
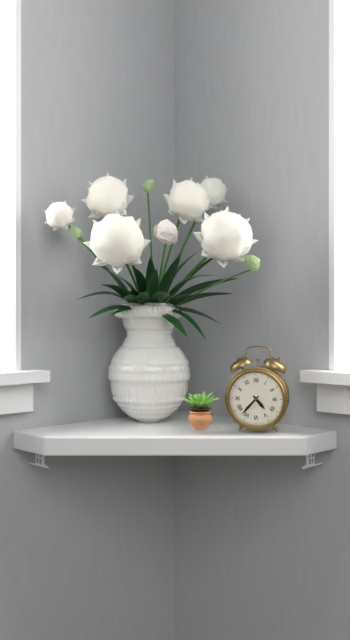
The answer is 4:37
